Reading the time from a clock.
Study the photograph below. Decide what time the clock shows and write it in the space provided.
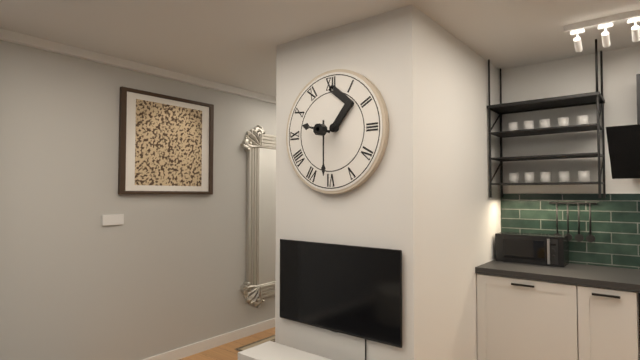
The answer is 9:30
